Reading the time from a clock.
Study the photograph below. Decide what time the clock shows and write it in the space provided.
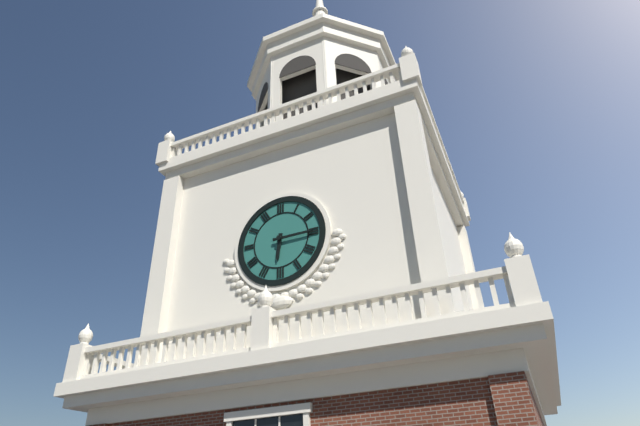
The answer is 6:15
